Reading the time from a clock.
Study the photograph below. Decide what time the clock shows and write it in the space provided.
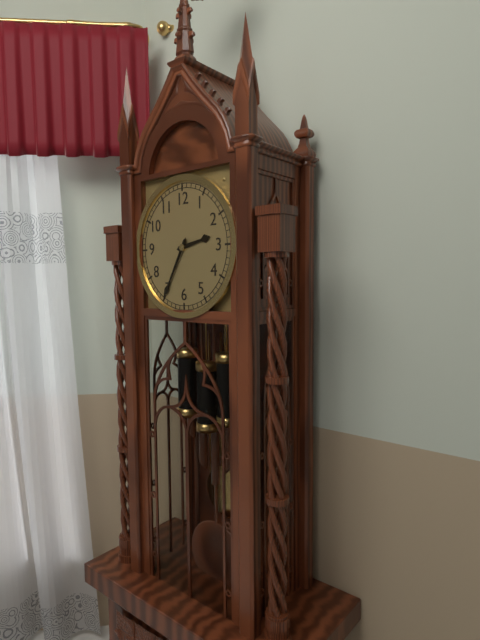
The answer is 2:35
